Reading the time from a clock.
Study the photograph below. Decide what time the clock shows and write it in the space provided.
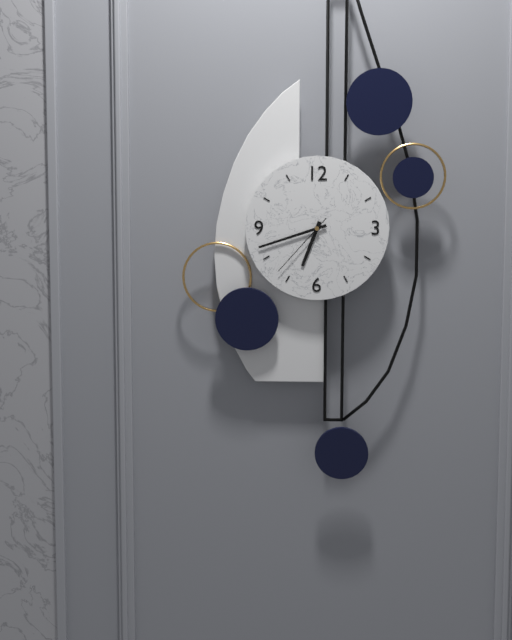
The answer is 6:42:37
